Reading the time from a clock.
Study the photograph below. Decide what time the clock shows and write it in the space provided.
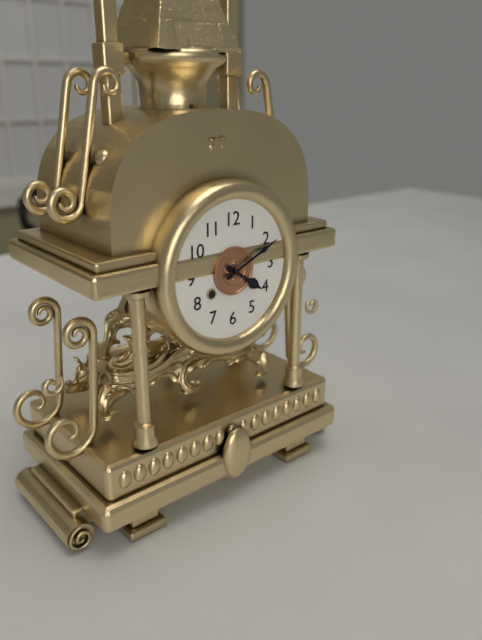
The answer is 4:11
